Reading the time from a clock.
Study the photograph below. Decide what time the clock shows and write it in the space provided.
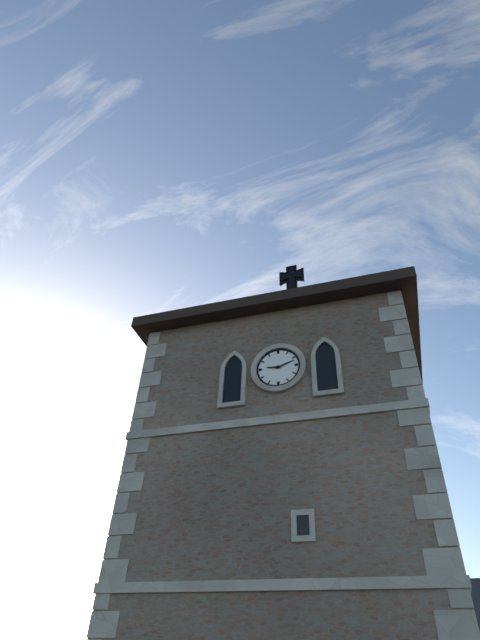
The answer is 9:12
